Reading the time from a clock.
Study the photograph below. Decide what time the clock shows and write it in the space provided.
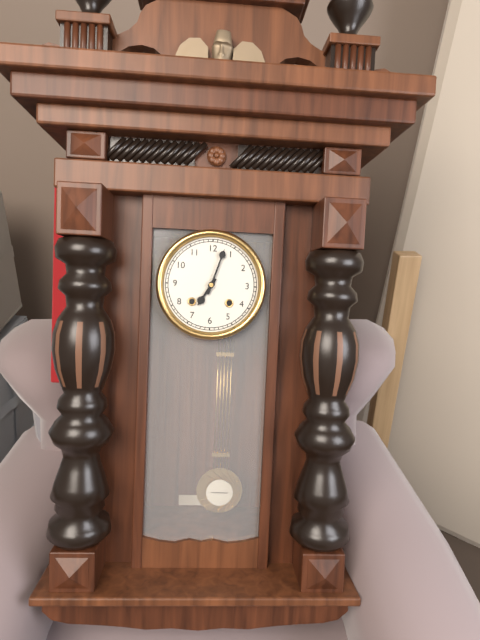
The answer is 7:03
